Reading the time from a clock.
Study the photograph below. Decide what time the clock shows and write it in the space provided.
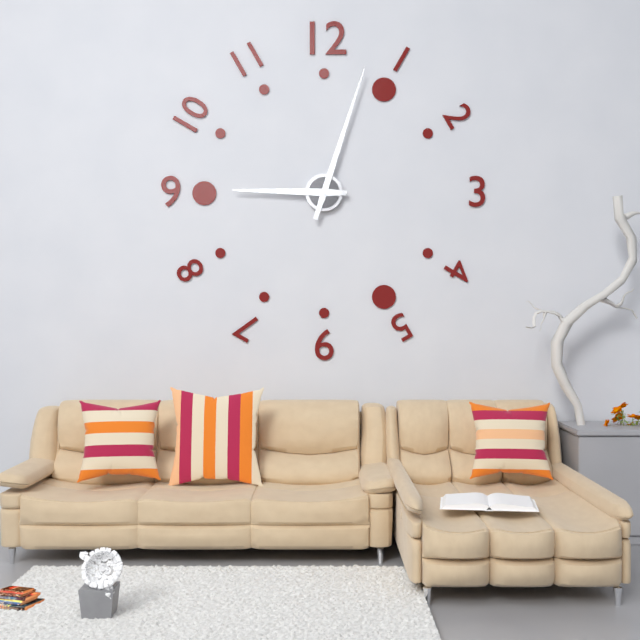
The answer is 9:03
